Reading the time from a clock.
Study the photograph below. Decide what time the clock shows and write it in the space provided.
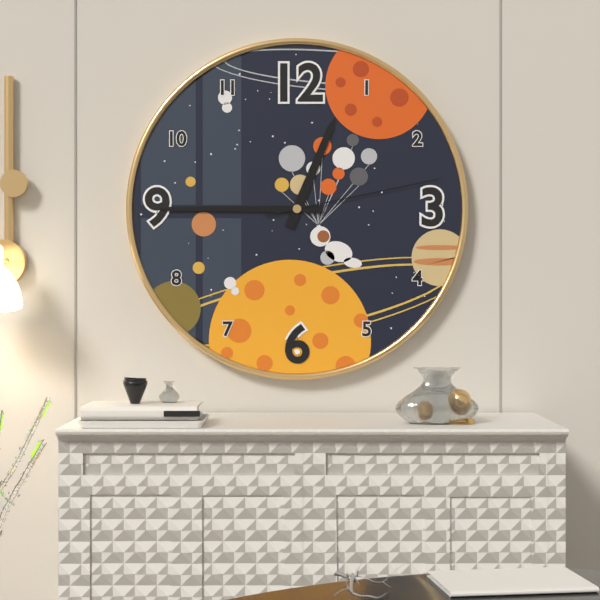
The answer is 12:45:13
